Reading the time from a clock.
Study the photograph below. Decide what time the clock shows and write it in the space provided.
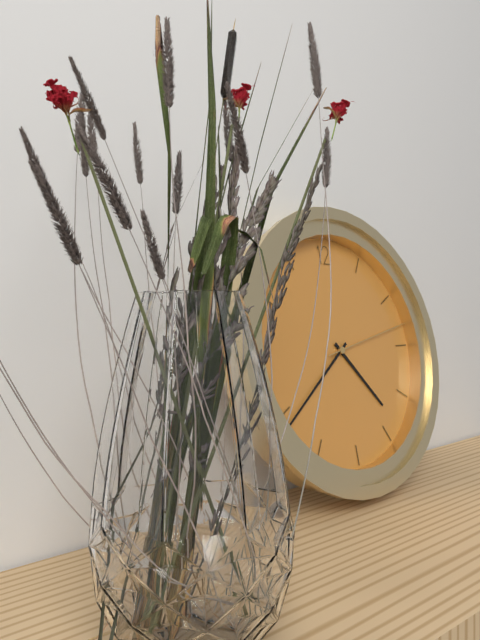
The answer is 4:39:13
